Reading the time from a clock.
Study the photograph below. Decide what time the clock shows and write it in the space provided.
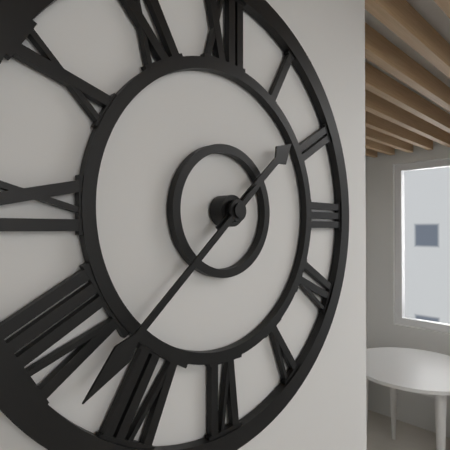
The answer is 1:38
